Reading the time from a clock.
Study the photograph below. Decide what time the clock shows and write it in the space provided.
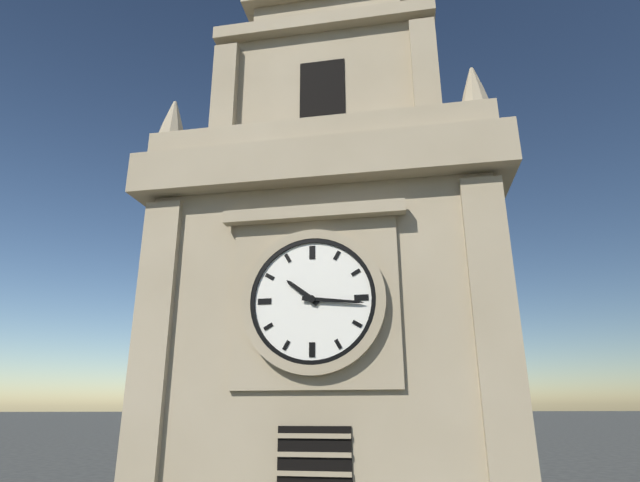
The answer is 10:16
